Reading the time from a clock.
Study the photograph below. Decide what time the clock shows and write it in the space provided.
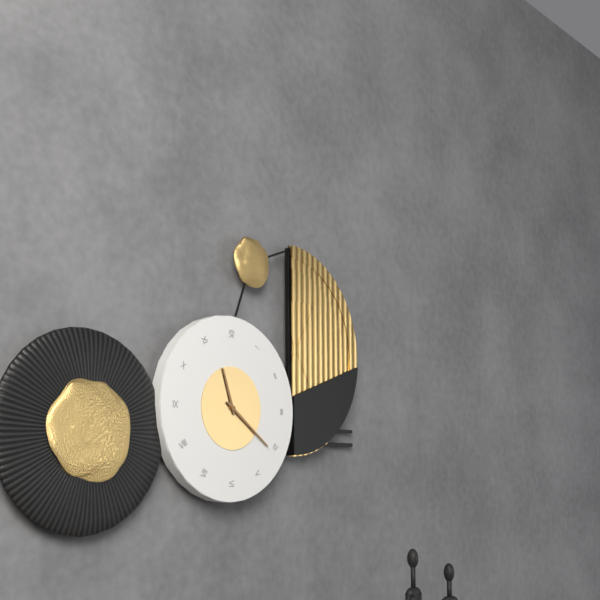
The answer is 11:21
